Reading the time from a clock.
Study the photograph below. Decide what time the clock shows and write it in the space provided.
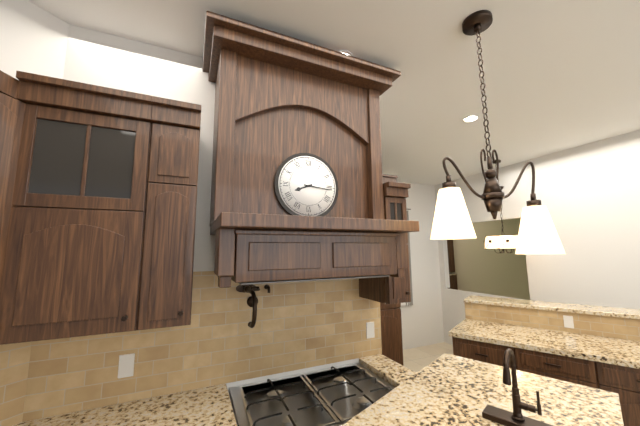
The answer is 8:16
